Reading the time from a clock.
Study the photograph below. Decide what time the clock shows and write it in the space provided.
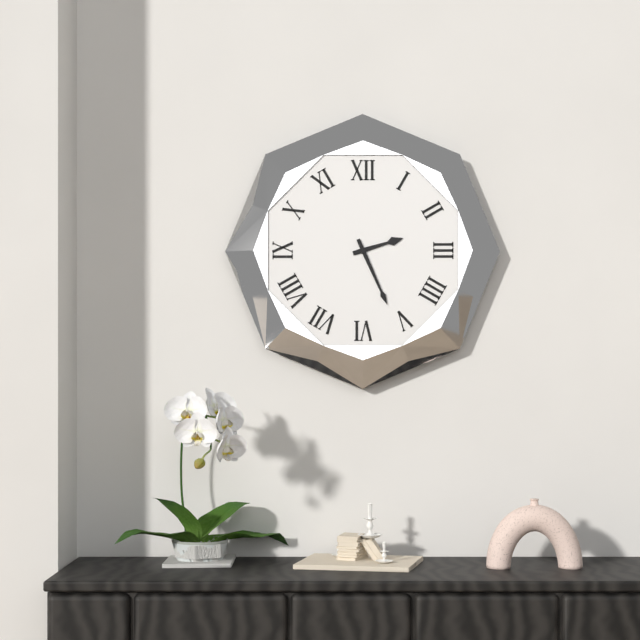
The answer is 2:26
